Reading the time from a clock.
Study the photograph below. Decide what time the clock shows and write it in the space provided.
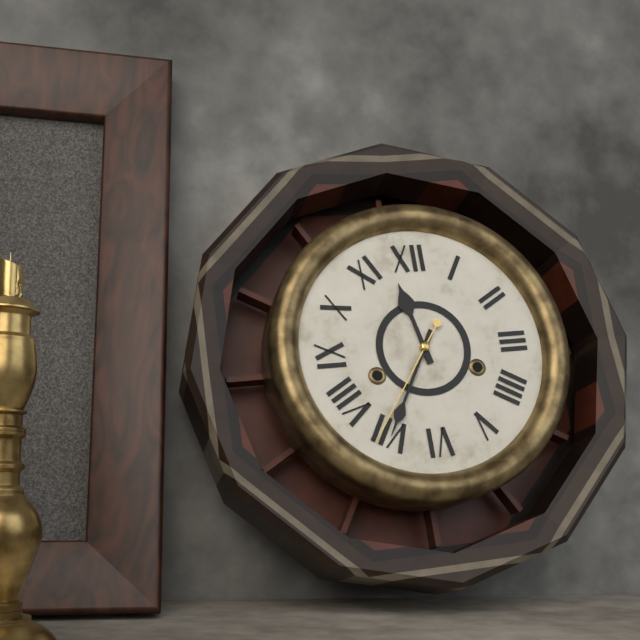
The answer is 11:35:36
